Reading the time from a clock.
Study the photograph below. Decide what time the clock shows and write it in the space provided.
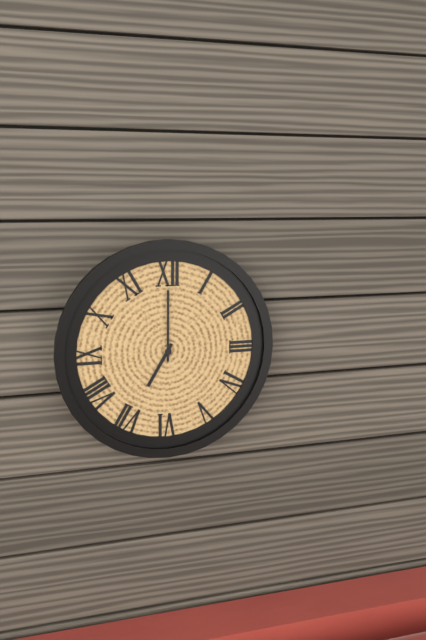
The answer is 7:00
